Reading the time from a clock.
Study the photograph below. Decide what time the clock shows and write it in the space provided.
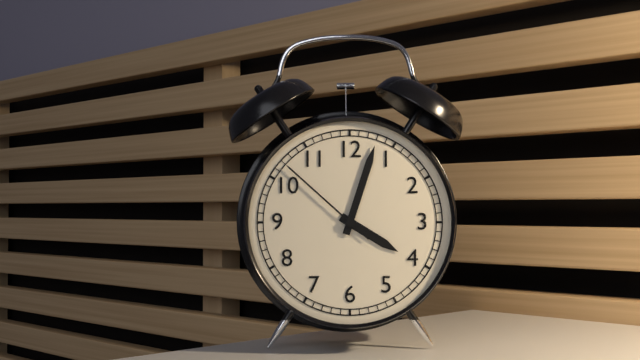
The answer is 4:03:52
